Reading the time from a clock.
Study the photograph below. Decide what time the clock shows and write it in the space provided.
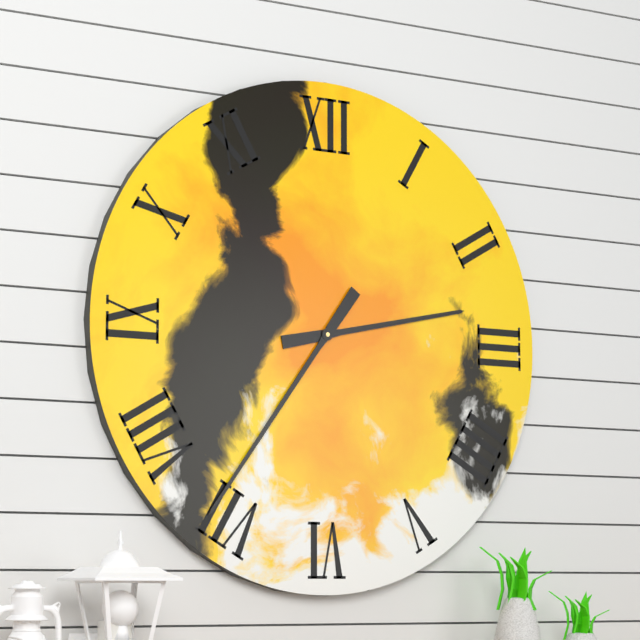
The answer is 2:36
